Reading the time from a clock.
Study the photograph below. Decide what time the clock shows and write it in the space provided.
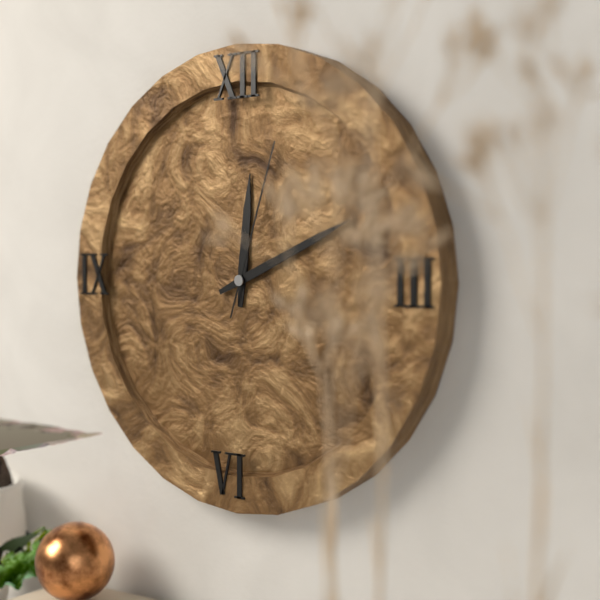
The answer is 12:11:03
